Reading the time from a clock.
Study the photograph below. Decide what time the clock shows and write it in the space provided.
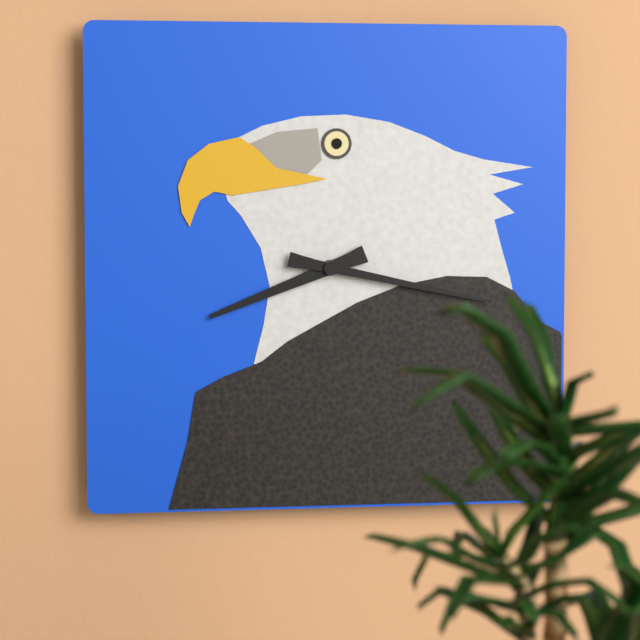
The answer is 8:17
